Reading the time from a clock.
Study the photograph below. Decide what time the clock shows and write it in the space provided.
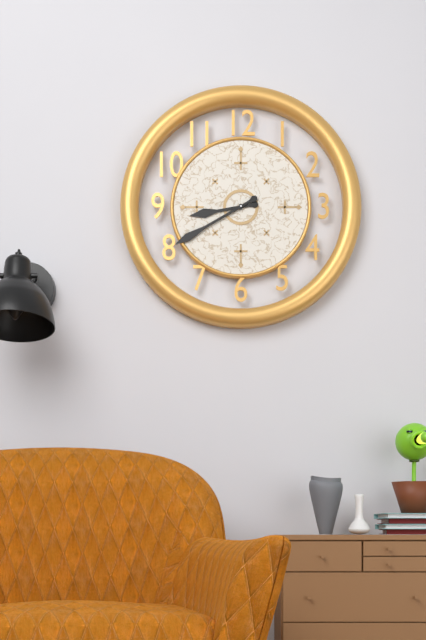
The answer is 8:40
